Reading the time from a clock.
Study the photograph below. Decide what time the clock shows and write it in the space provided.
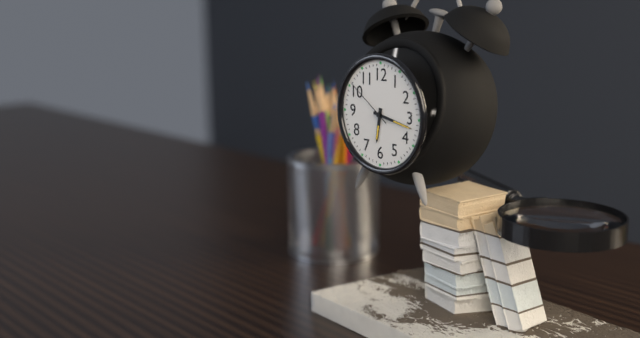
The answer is 6:17:51
